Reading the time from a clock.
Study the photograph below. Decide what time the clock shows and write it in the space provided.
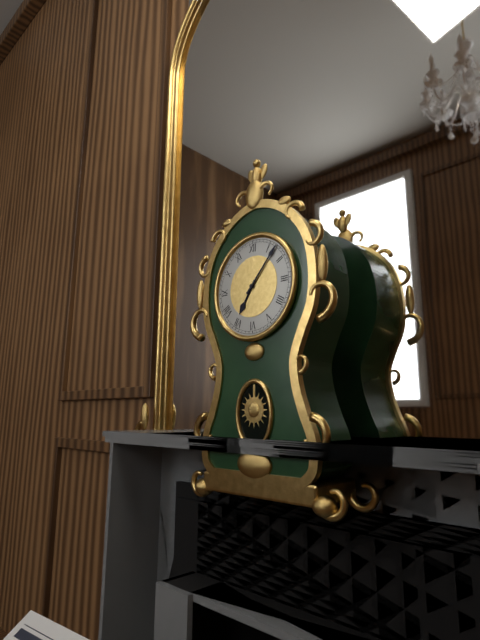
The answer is 7:07
